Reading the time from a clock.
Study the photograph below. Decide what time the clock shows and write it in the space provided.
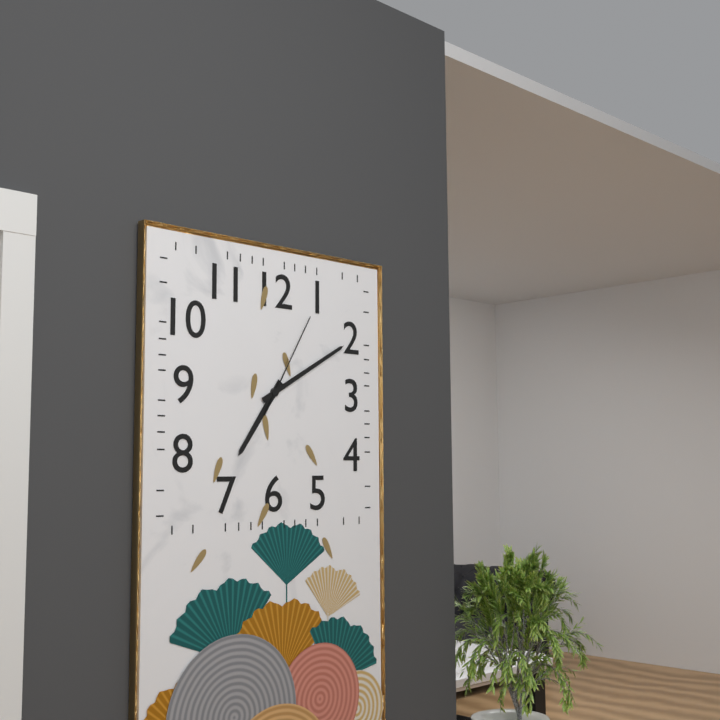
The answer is 7:10:05
